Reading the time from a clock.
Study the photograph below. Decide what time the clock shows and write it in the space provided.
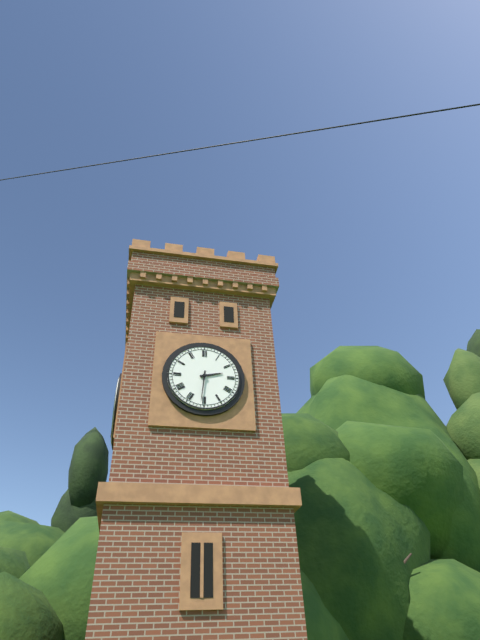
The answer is 2:31
